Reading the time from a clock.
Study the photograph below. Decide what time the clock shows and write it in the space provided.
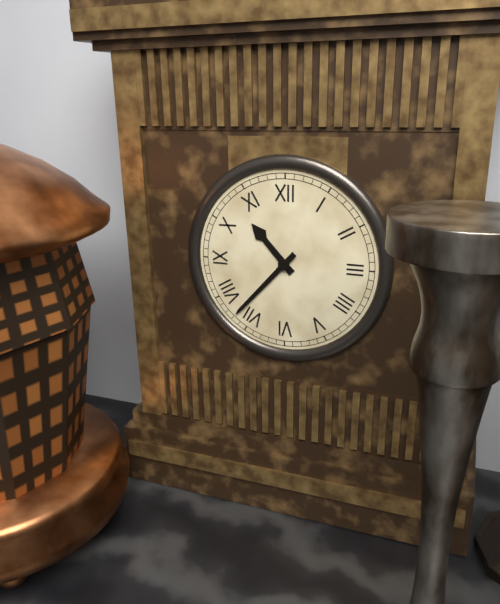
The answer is 10:37
